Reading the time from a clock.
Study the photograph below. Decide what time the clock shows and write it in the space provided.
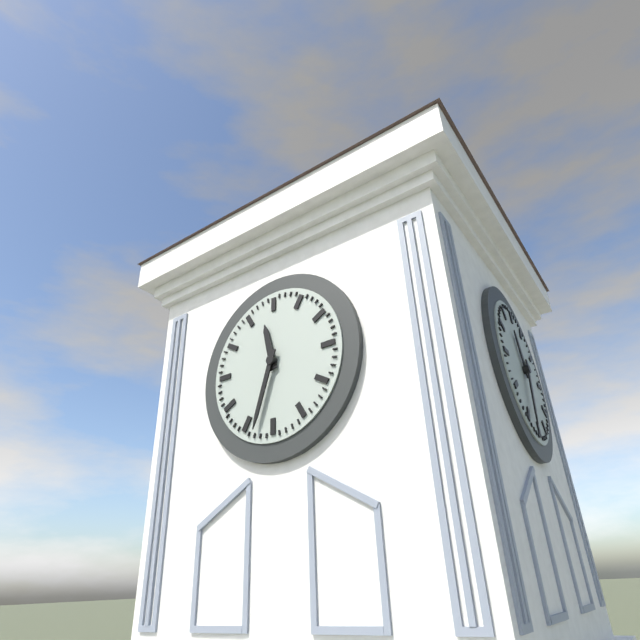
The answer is 11:33
